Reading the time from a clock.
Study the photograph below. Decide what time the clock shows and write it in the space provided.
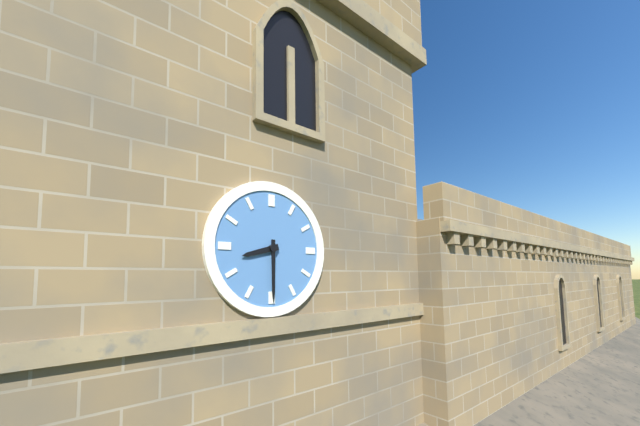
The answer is 8:30
